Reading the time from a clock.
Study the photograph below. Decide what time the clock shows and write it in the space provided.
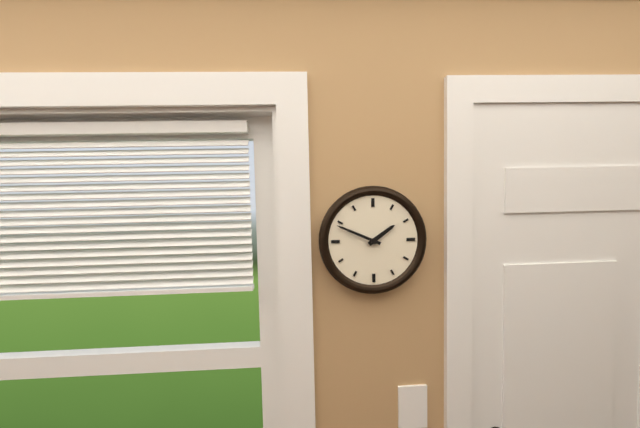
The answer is 1:49
